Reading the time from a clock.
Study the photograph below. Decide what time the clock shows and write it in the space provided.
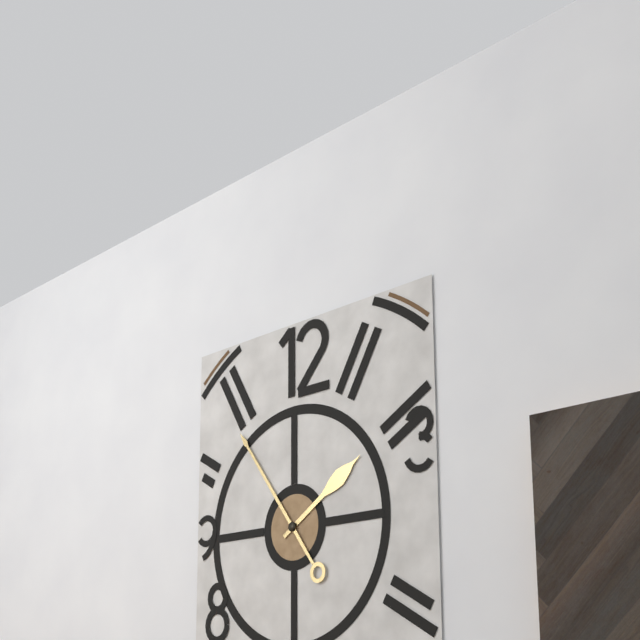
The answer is 1:54
